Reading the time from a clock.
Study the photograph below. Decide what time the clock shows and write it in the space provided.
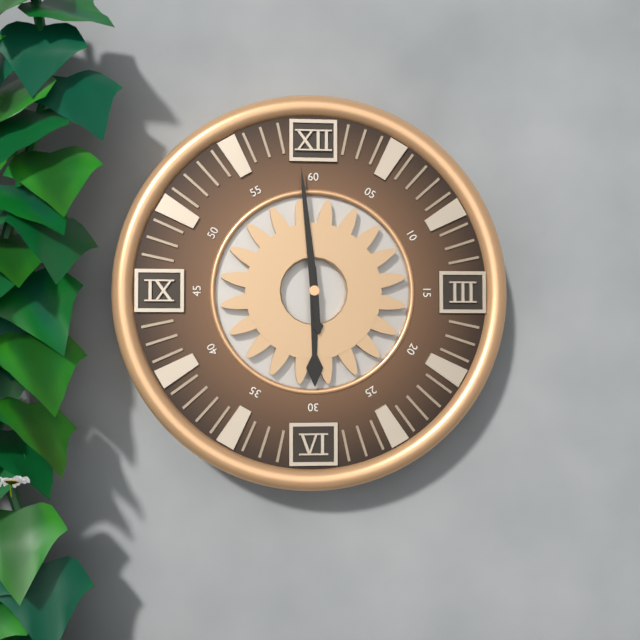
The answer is 5:59
